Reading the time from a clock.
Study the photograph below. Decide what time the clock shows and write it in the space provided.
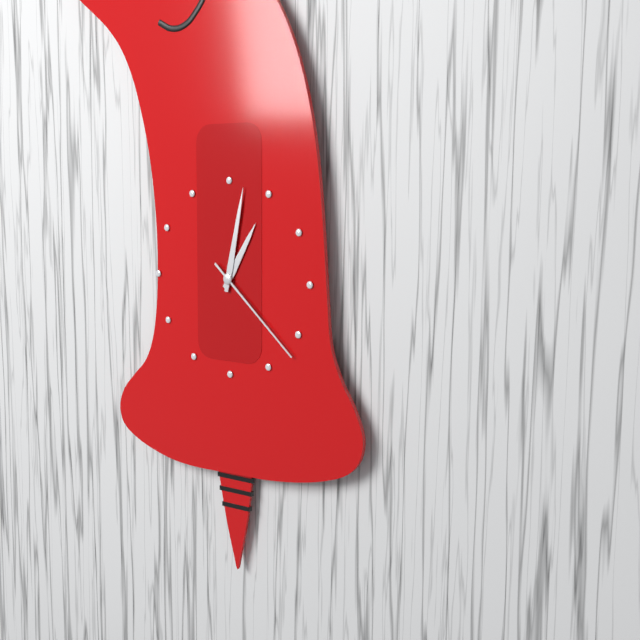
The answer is 1:02:22
